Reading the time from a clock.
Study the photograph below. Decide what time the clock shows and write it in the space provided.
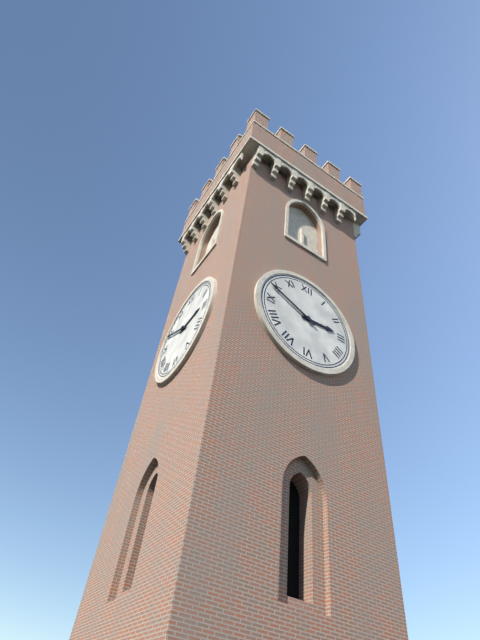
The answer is 2:49
